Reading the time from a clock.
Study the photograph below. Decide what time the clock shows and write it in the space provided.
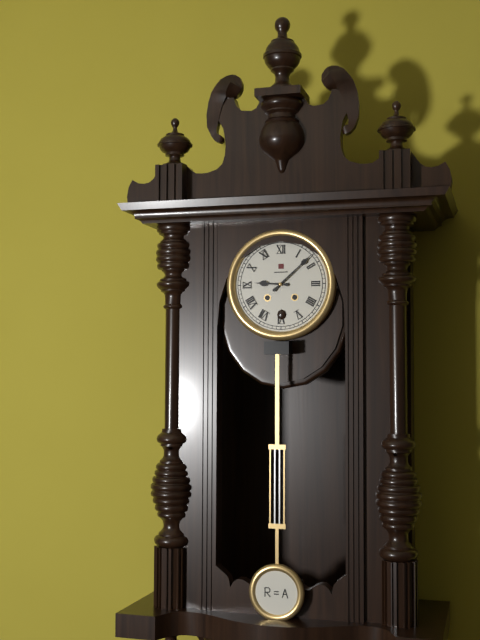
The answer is 9:08
